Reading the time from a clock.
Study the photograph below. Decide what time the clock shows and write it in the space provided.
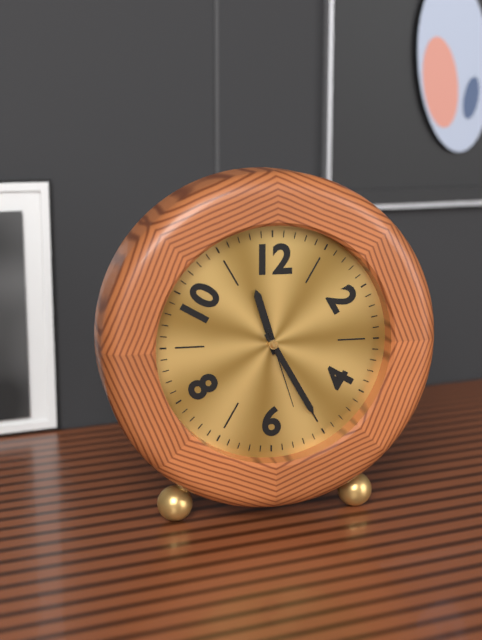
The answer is 11:25:27
